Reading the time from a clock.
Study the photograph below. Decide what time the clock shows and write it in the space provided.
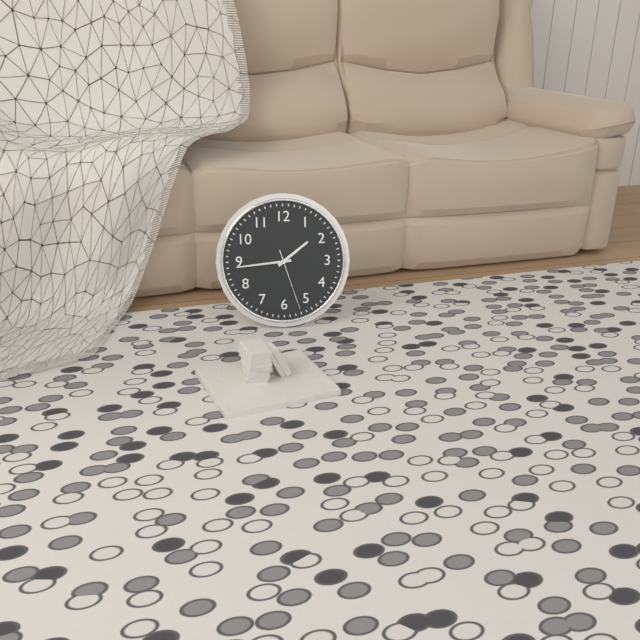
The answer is 1:44:27
